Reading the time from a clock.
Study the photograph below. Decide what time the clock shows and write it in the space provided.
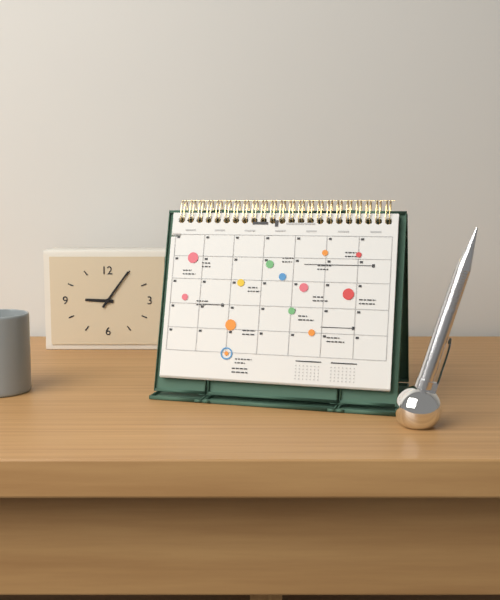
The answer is 9:06
